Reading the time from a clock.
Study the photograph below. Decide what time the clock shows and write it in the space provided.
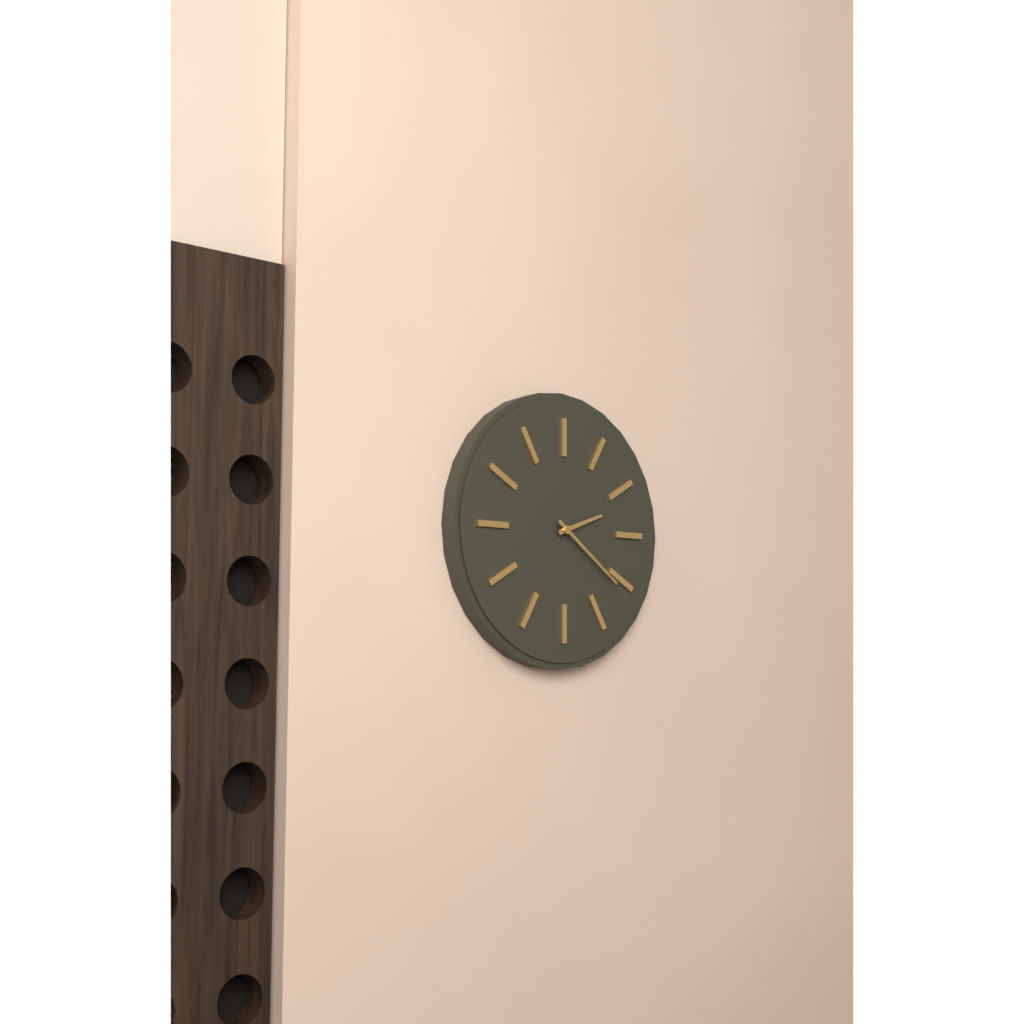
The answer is 2:21
